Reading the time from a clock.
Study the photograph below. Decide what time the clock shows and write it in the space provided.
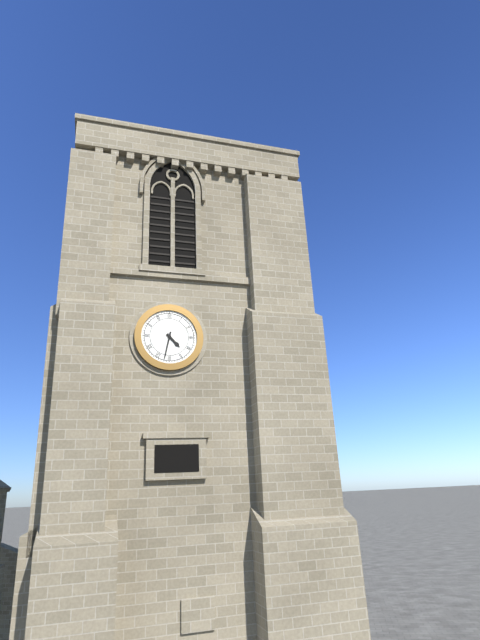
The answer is 4:32
